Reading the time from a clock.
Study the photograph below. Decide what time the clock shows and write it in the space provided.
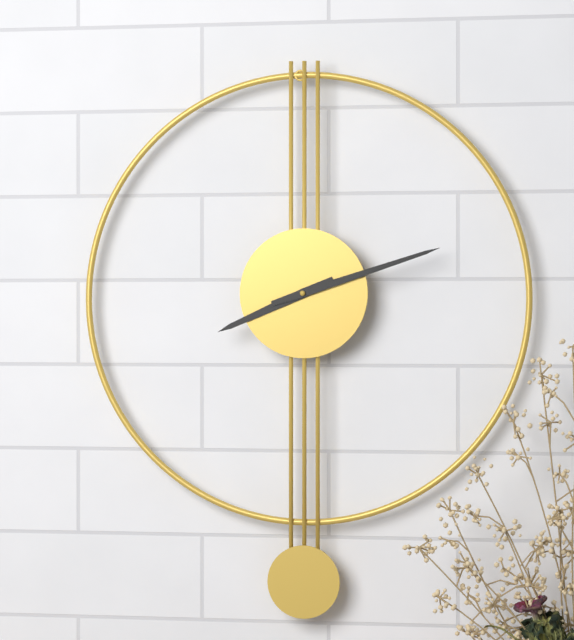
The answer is 8:12
